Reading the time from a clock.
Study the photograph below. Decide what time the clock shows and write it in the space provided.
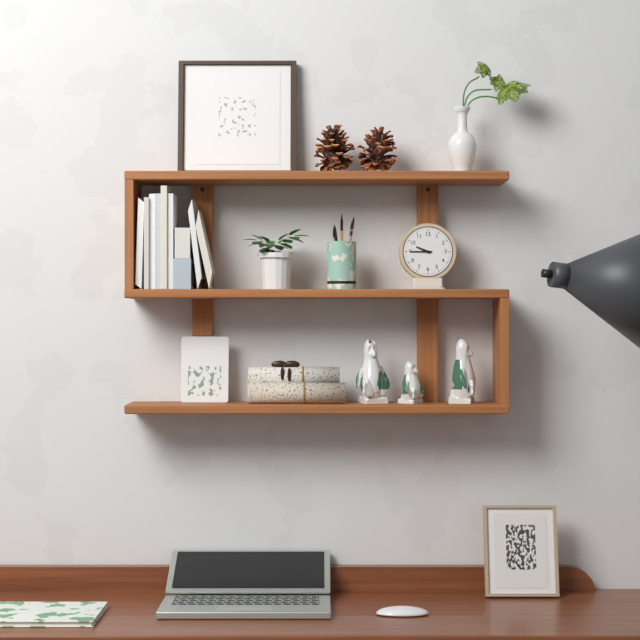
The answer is 9:45
